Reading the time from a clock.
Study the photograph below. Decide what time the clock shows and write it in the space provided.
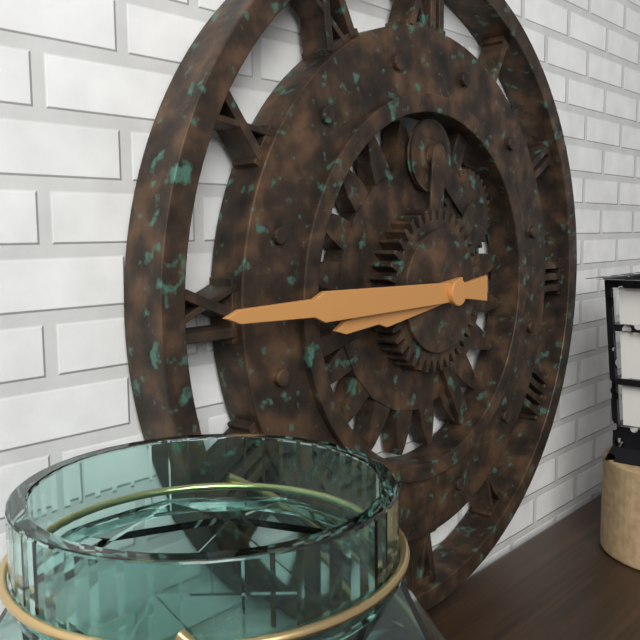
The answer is 8:45
